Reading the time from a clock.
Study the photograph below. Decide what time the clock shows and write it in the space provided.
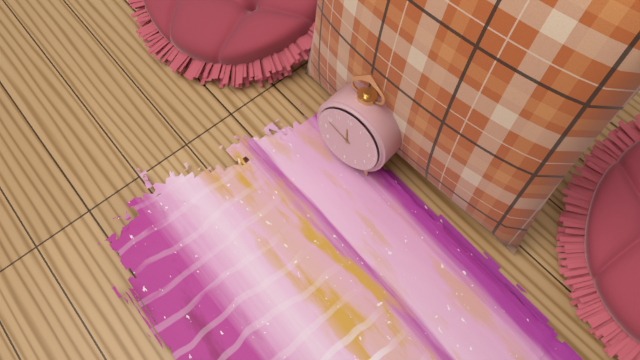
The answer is 11:49
